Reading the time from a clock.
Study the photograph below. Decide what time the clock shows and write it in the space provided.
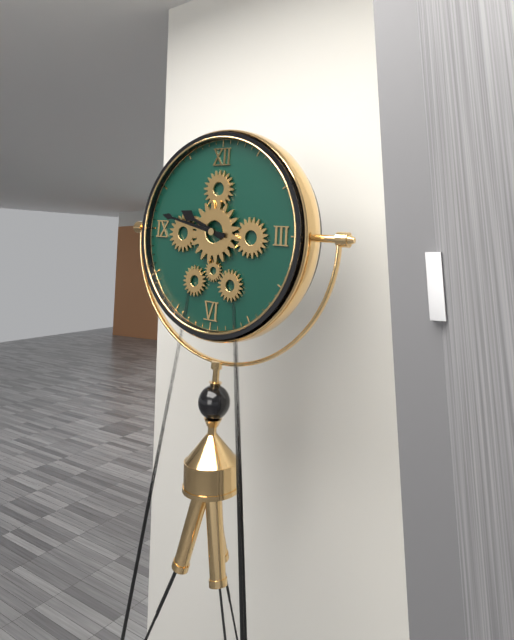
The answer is 9:47
